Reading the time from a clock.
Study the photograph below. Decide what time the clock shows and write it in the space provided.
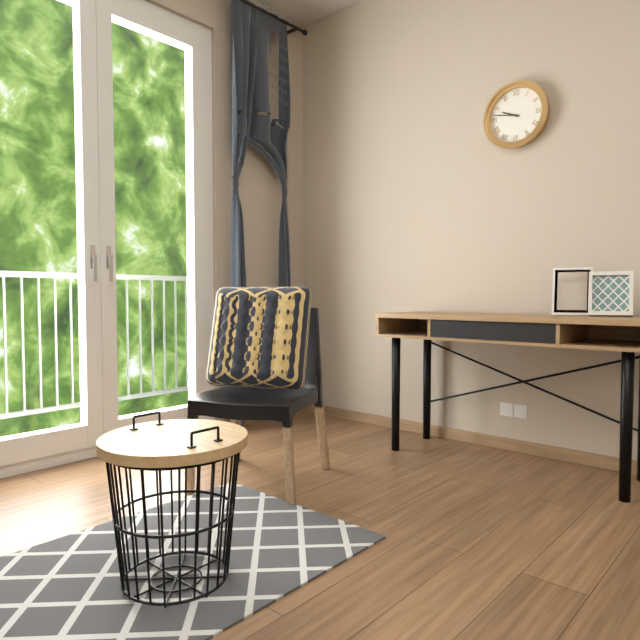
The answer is 9:47
